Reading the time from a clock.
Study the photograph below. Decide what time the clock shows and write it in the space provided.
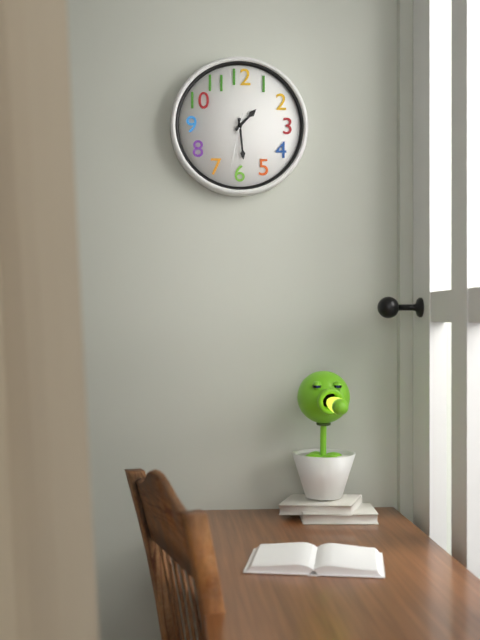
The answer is 1:29
